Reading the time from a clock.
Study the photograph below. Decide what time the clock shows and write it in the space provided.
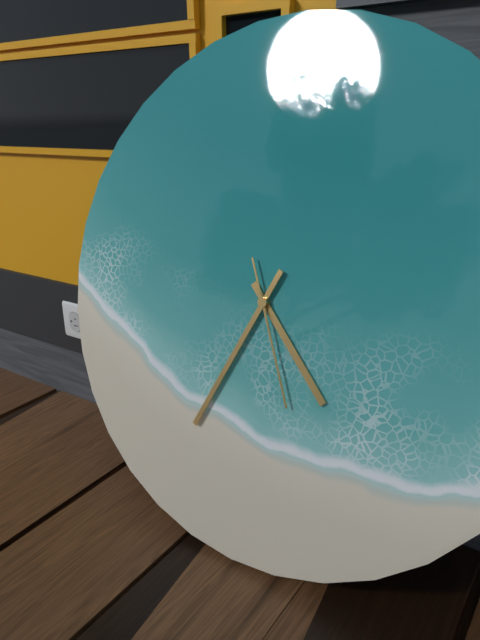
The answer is 4:34:26
